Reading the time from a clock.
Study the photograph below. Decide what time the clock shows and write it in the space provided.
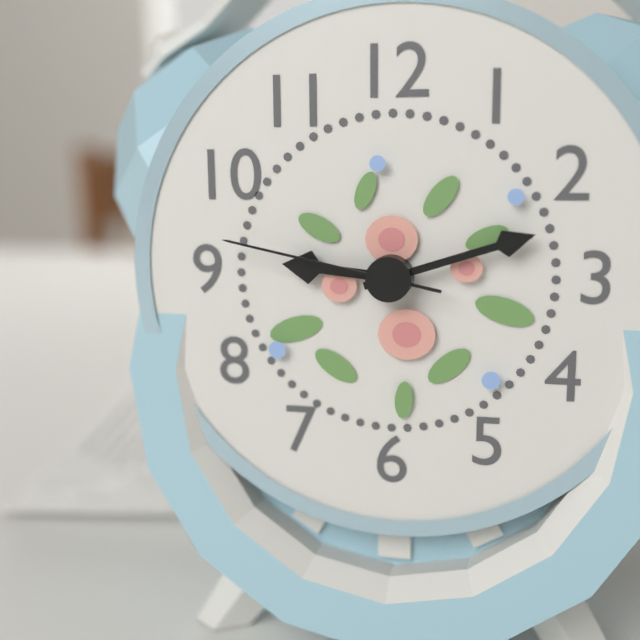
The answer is 9:12:47
